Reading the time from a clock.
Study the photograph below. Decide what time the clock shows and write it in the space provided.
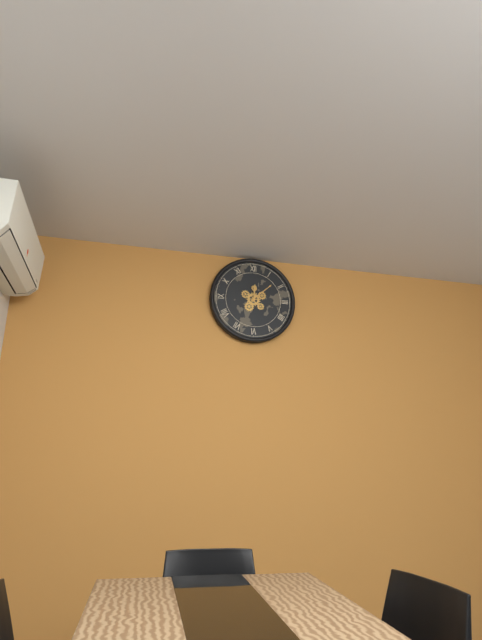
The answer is 12:08
